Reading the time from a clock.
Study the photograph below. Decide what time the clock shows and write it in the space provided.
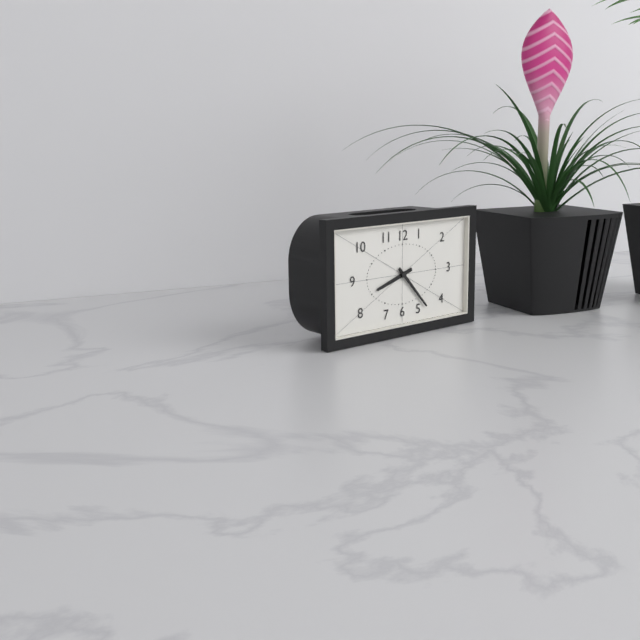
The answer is 8:23
